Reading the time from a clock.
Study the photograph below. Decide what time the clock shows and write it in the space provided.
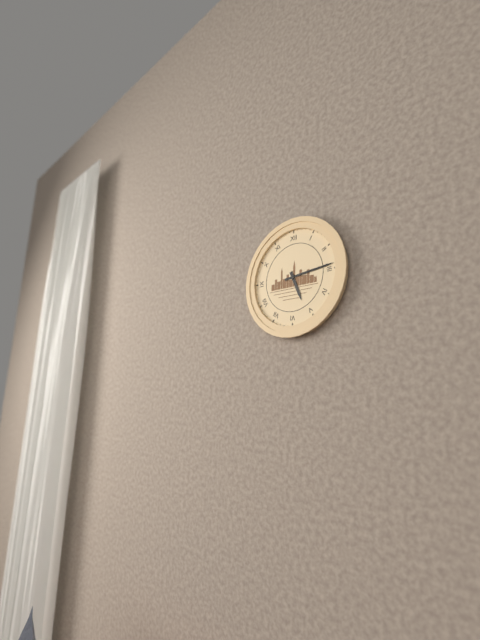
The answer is 5:14
